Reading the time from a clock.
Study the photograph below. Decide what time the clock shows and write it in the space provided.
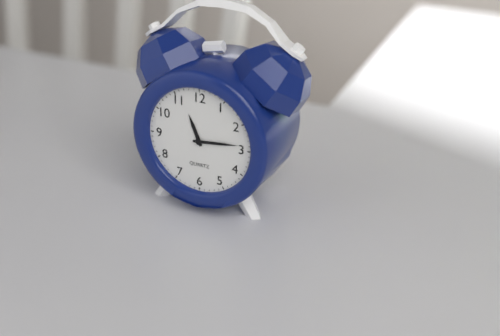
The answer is 11:14
